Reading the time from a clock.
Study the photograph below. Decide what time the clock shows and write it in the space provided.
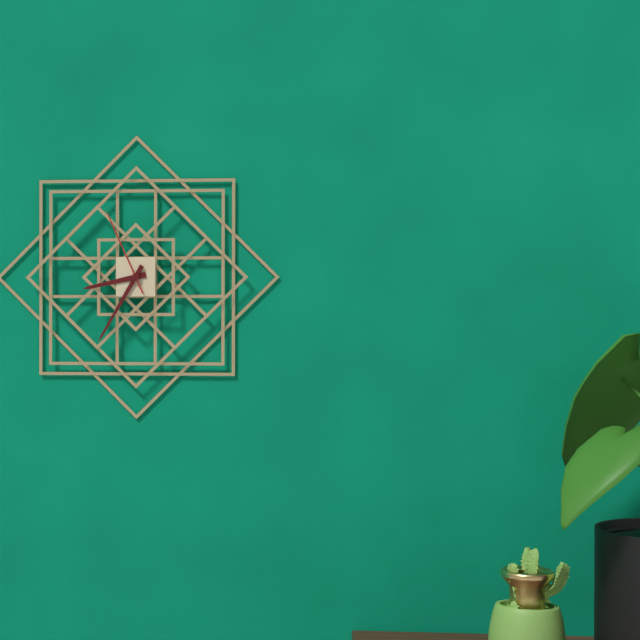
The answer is 8:35:56
